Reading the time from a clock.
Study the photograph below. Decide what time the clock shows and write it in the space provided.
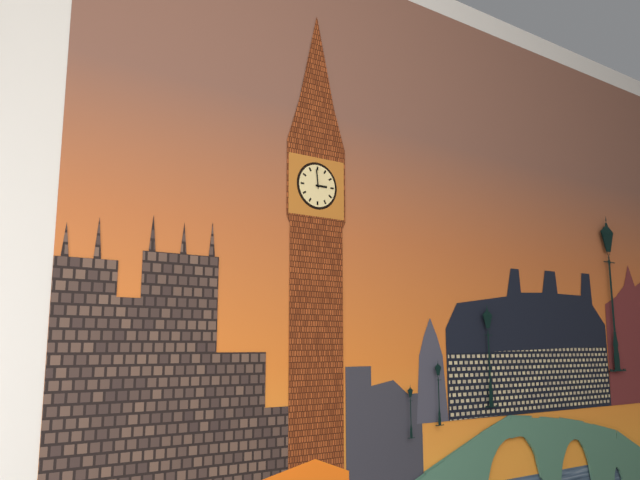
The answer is 2:59
